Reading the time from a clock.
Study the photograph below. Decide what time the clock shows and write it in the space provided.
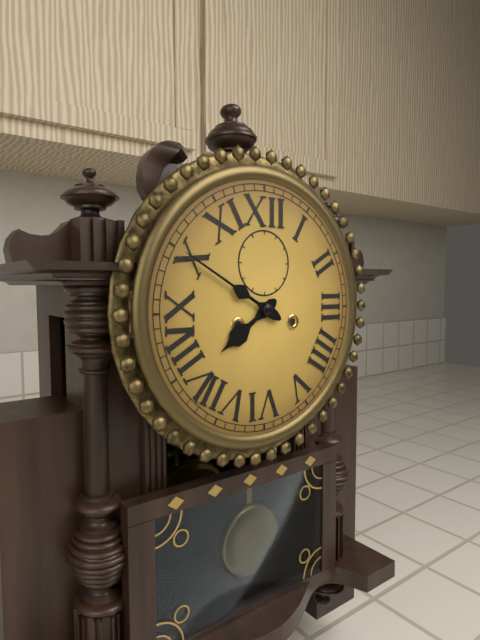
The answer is 7:50
